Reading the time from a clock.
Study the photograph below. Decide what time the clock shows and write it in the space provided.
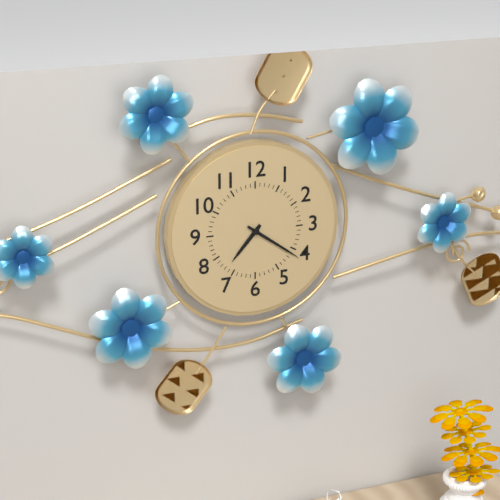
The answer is 7:21
